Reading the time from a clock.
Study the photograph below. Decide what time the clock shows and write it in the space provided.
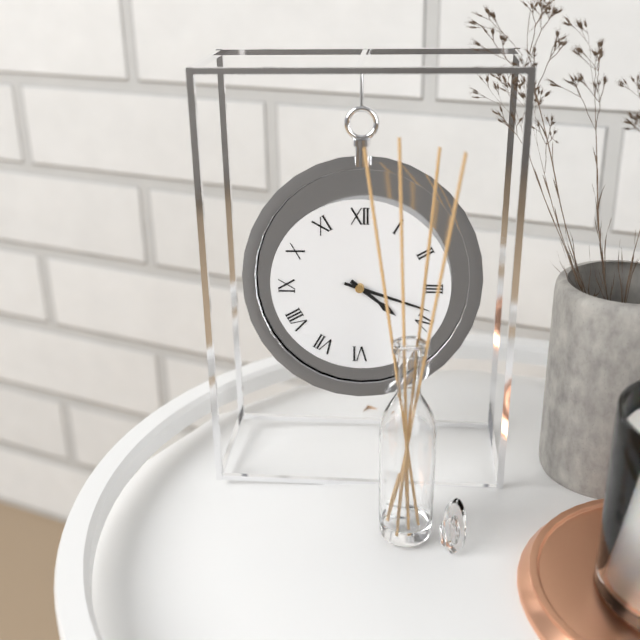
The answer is 4:18
